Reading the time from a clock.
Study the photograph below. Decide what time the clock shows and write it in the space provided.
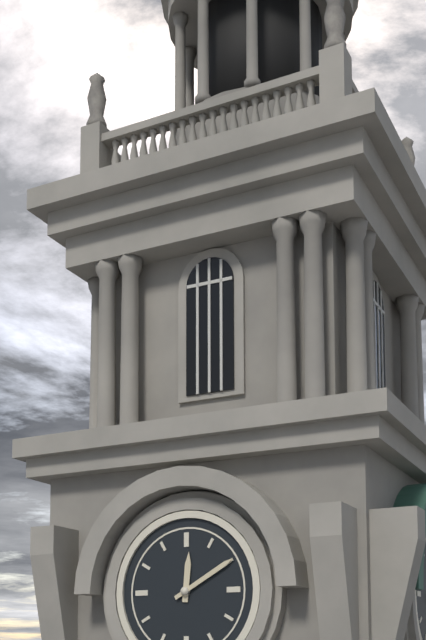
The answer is 12:10
